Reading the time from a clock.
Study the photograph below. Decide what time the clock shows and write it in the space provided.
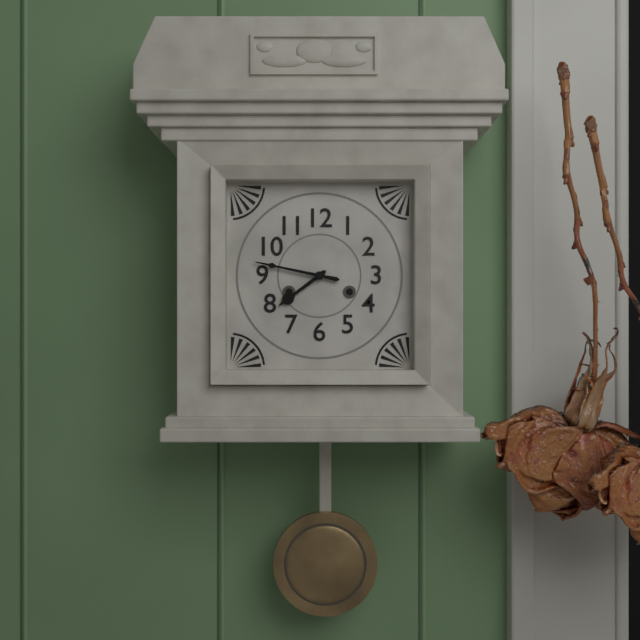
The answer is 7:47
